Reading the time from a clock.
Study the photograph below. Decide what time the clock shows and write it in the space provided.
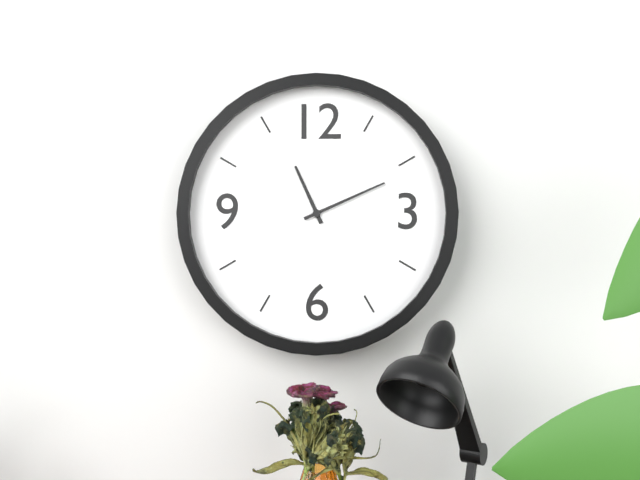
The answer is 11:11
